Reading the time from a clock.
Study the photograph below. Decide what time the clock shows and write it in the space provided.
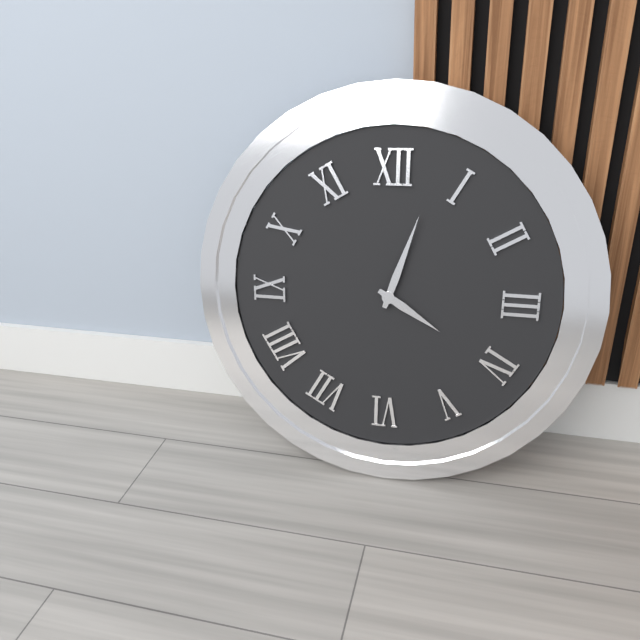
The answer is 4:03
